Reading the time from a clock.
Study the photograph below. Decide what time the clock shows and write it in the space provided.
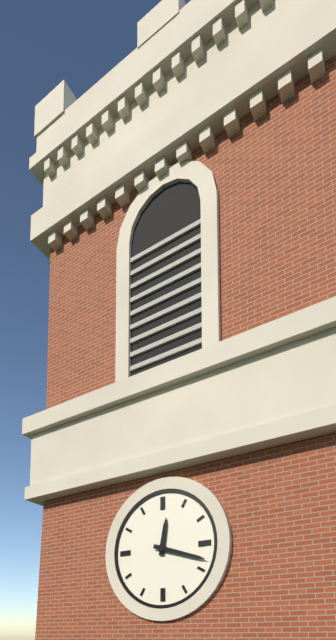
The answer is 12:18
